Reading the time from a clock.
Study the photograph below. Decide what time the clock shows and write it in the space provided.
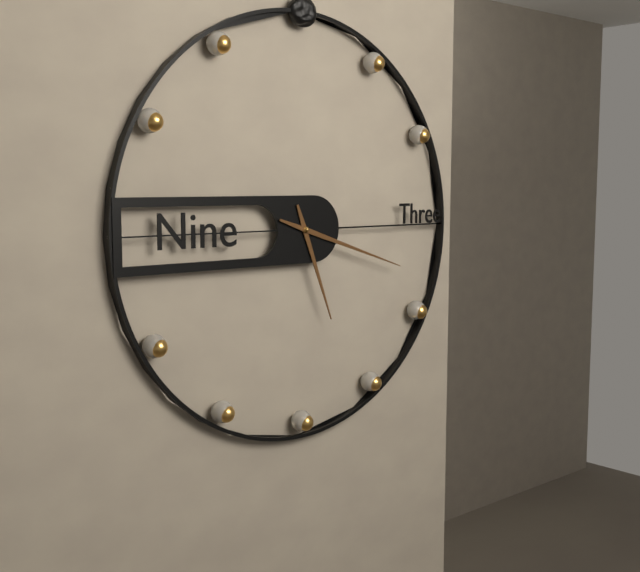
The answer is 5:18
